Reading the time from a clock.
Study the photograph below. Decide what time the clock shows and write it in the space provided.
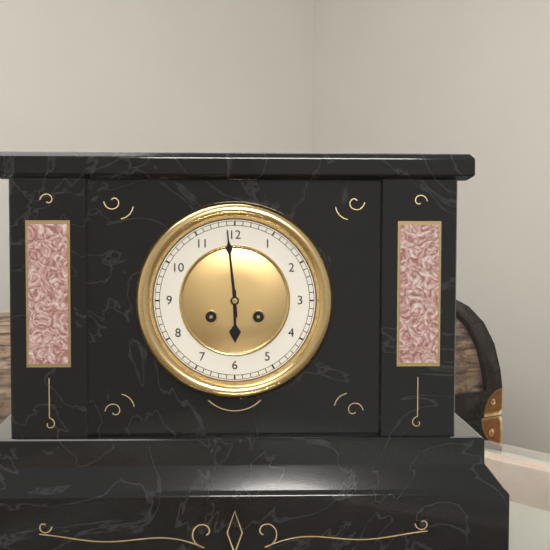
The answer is 5:59
